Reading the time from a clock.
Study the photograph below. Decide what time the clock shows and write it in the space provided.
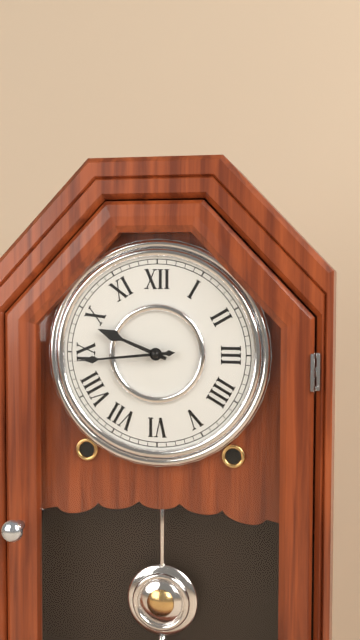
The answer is 9:44
